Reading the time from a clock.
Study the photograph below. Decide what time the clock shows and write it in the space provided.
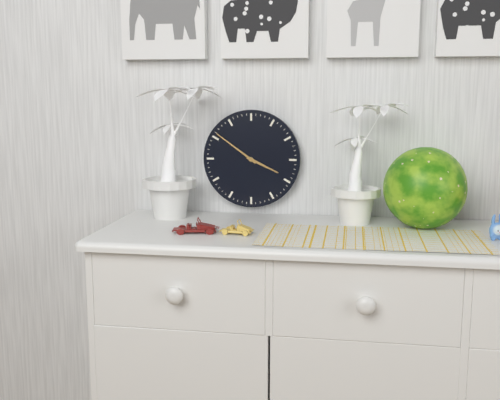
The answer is 3:51
